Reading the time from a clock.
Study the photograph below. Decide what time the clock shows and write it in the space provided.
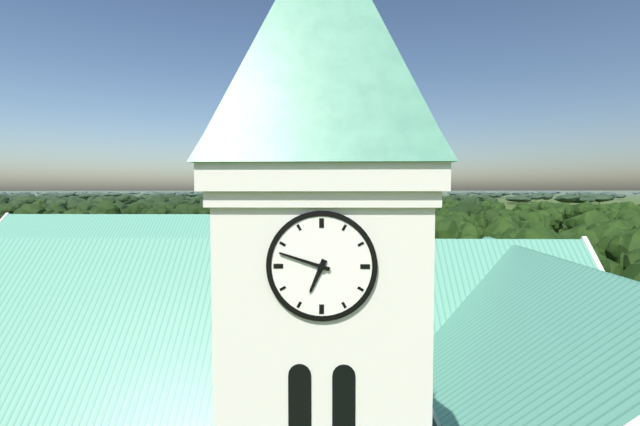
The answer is 6:48
